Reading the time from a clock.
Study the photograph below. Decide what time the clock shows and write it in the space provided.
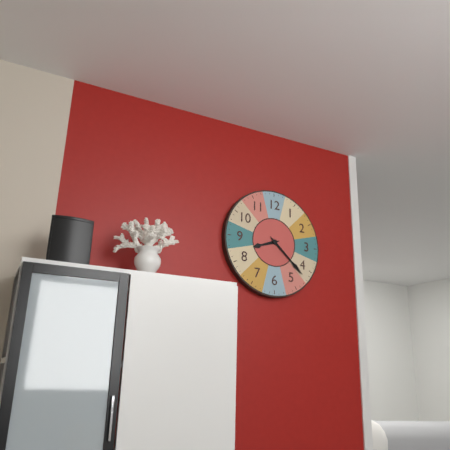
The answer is 8:22
